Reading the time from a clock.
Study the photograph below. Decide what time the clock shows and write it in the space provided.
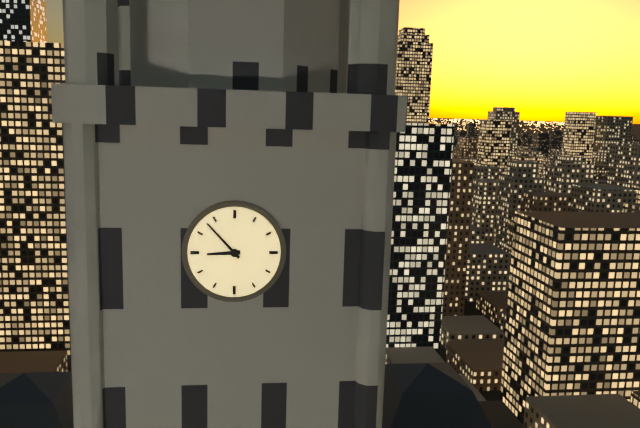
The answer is 8:53
